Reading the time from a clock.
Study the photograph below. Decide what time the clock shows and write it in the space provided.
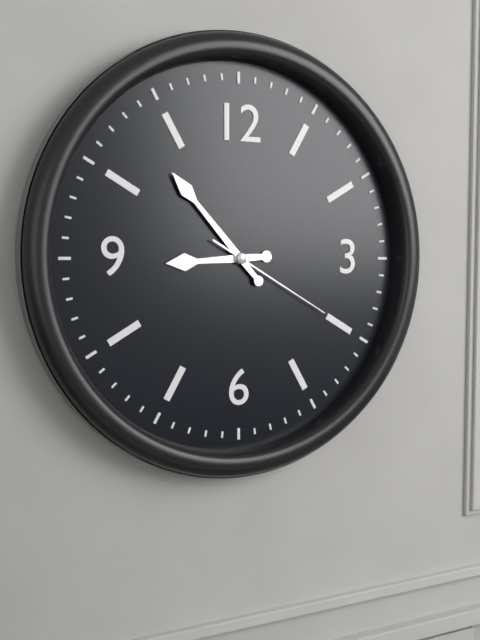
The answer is 8:53:20
